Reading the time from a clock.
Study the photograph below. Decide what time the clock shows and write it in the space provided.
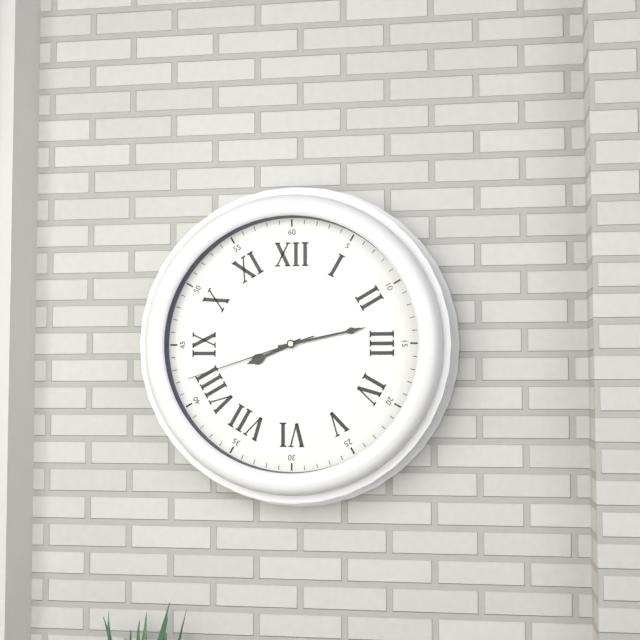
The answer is 8:13:42
